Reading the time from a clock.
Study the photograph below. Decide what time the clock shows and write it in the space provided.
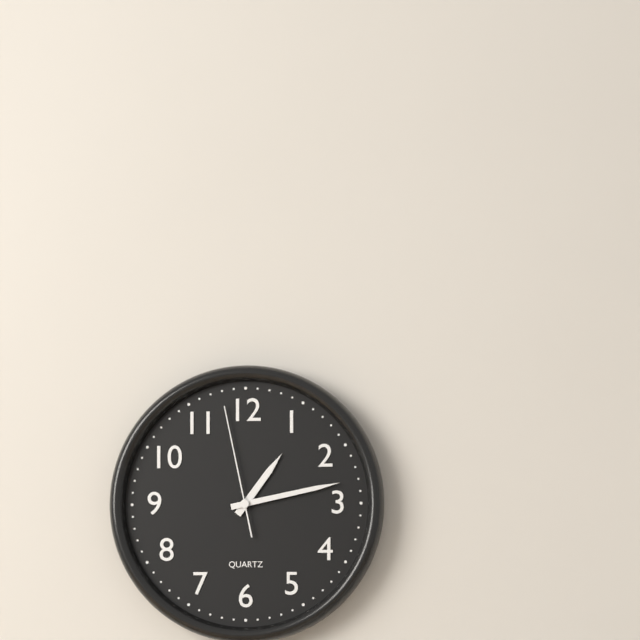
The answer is 1:13:58
